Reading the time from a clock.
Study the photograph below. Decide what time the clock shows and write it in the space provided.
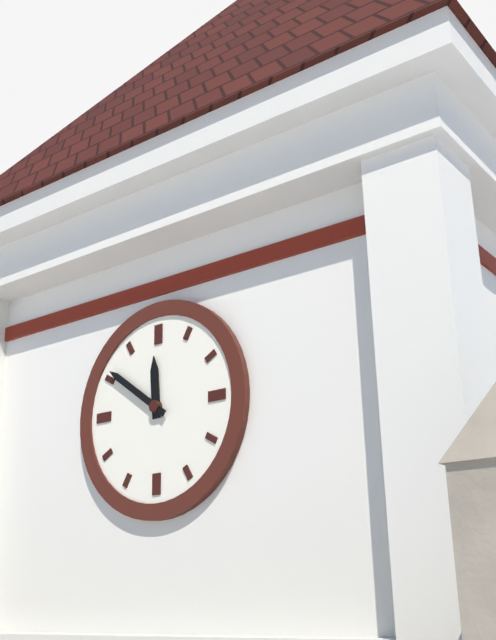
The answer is 11:51
